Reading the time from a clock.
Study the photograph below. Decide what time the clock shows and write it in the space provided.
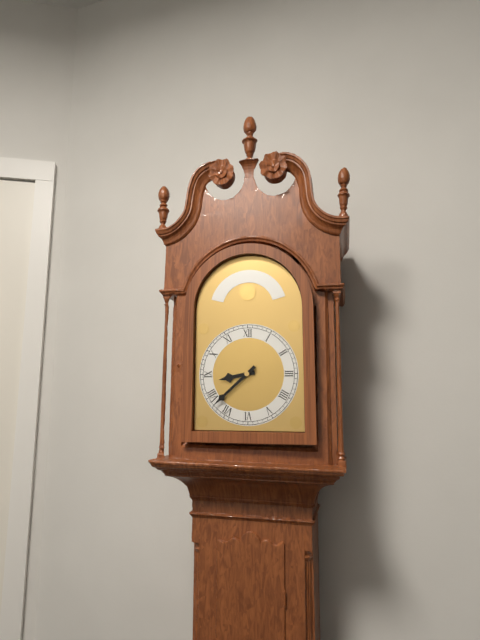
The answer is 8:38
